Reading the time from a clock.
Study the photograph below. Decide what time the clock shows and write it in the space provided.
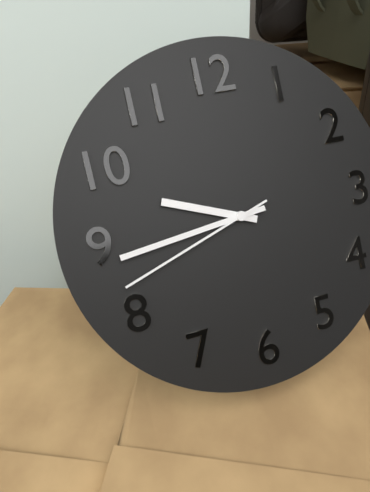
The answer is 9:44:42
